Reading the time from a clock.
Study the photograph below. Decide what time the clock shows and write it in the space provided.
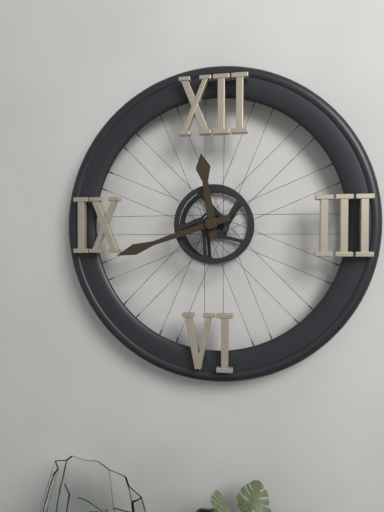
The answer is 11:42
